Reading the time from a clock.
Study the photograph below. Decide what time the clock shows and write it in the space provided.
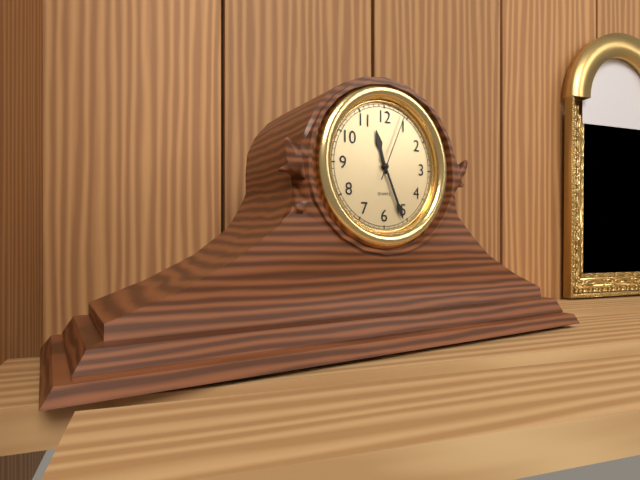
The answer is 11:26:04
